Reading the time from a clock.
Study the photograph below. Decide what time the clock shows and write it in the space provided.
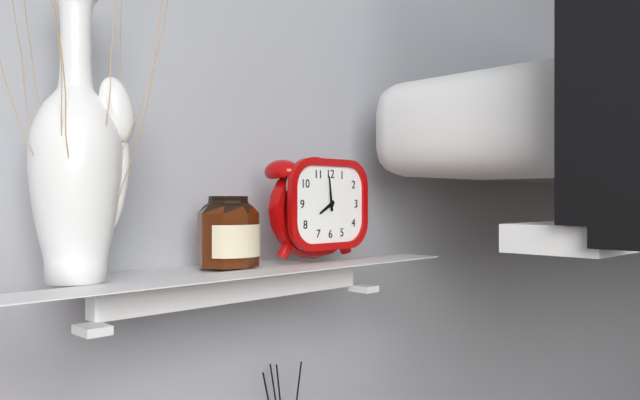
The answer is 7:59
